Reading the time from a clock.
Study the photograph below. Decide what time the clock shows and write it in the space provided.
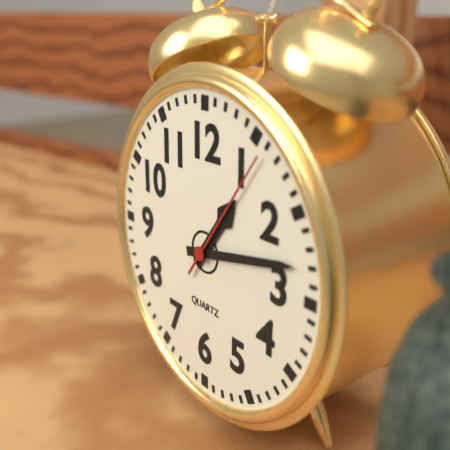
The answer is 1:13:06
